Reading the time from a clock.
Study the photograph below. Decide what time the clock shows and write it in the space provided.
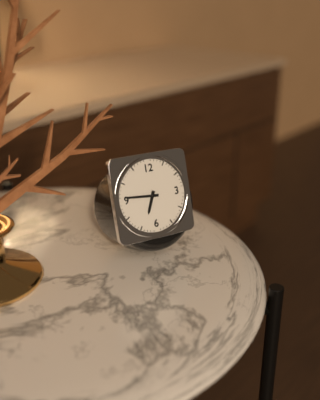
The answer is 6:46
